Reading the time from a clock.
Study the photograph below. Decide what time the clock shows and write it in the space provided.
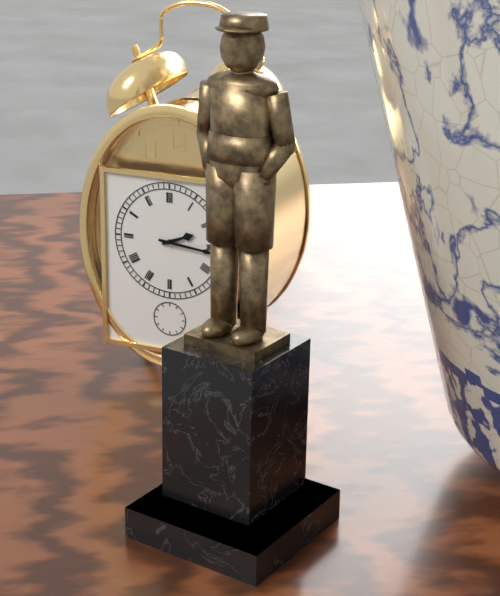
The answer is 2:16
